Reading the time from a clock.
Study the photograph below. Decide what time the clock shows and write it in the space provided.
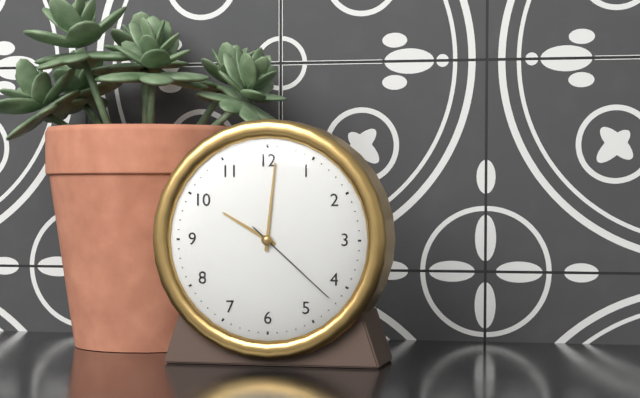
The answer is 10:01:22
